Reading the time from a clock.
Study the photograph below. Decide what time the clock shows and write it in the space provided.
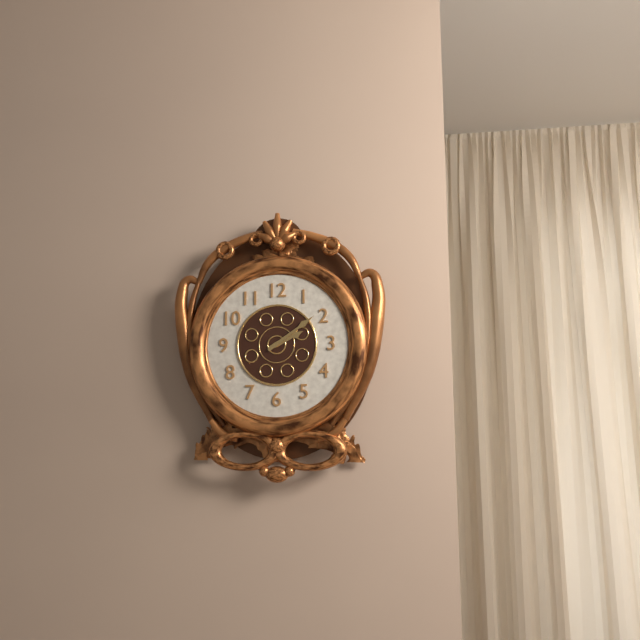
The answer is 2:09
